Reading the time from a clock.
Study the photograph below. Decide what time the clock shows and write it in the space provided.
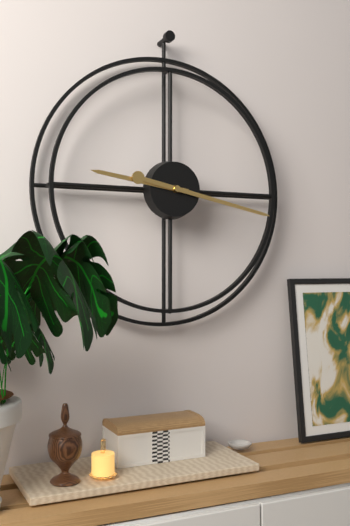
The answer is 9:17
